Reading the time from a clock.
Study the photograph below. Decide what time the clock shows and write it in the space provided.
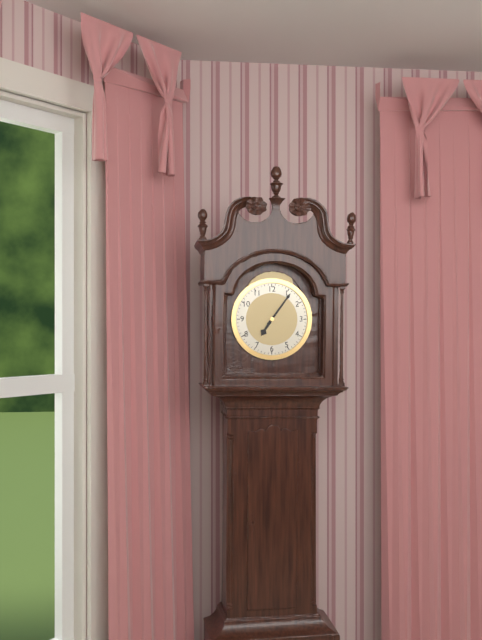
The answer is 7:06
